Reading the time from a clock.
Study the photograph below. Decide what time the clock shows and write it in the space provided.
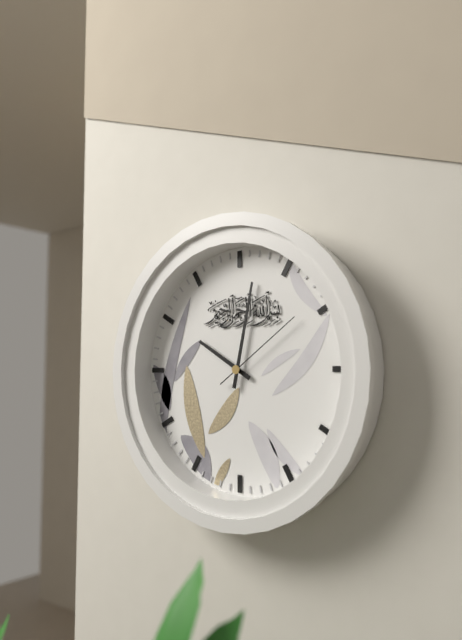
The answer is 10:02:09
